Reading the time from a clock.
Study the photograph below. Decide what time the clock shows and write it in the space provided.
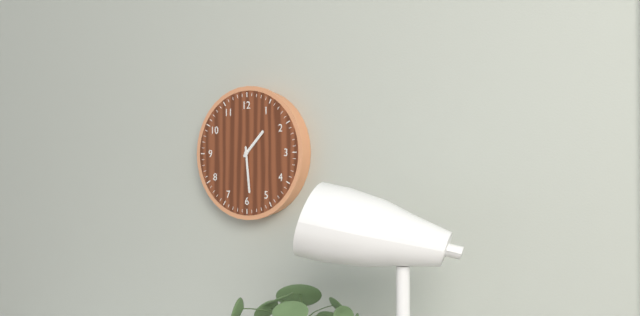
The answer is 1:29
